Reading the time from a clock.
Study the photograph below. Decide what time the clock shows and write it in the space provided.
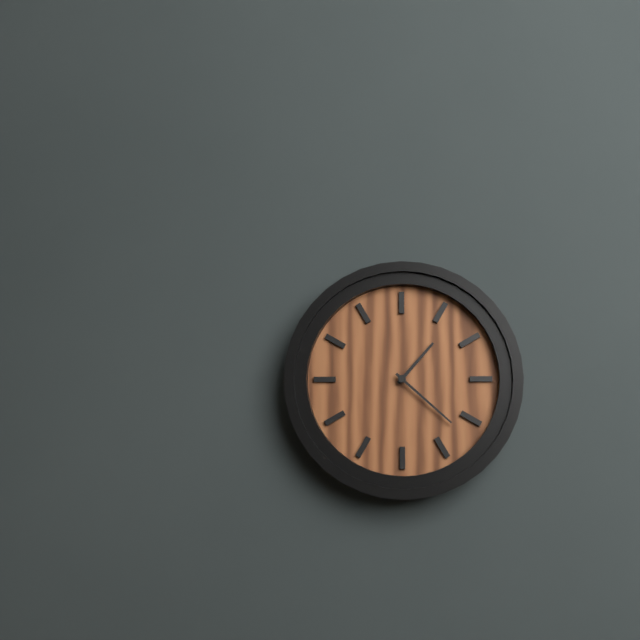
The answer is 1:22
